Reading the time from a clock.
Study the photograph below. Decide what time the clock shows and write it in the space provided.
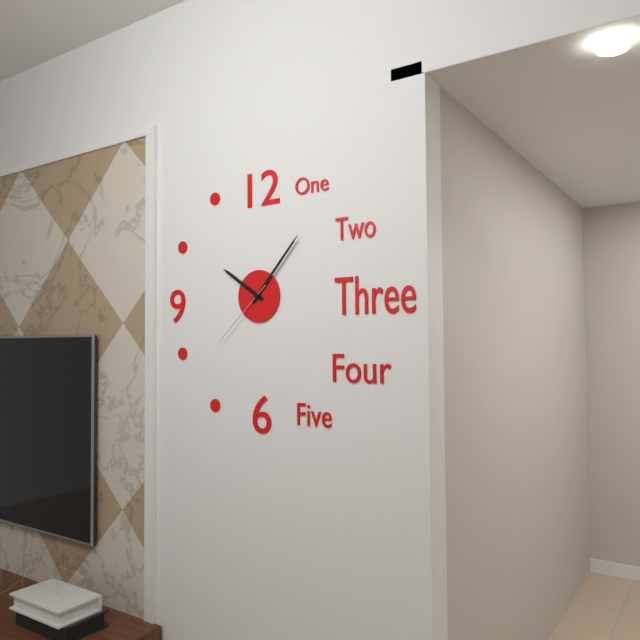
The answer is 10:07:38
